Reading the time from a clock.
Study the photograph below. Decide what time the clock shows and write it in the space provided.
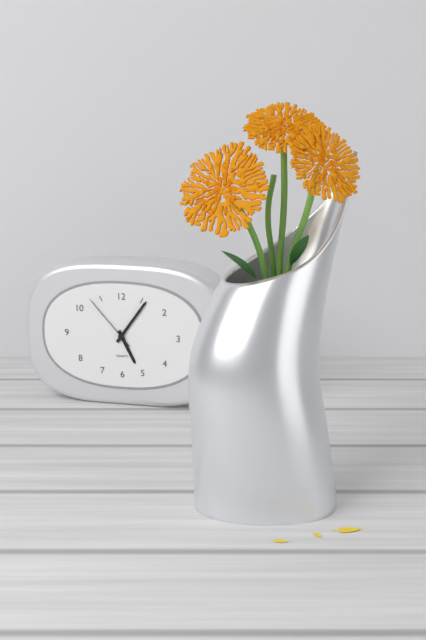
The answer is 5:06:53
